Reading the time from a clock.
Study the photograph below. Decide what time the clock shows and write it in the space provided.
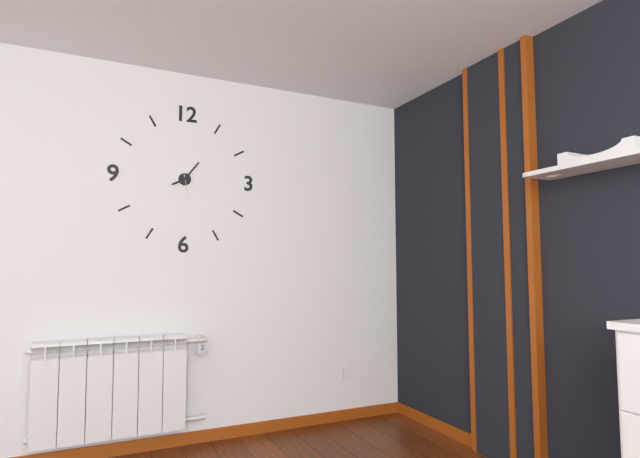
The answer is 8:06
